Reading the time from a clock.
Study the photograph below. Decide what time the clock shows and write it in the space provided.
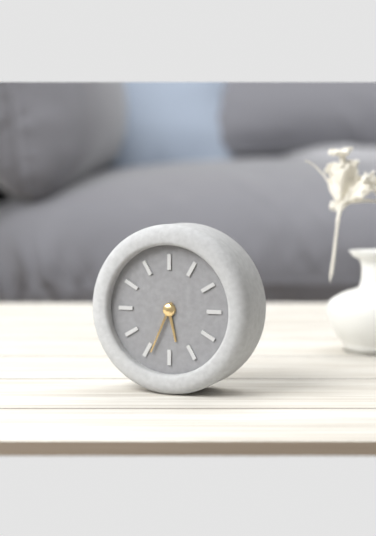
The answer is 5:34
